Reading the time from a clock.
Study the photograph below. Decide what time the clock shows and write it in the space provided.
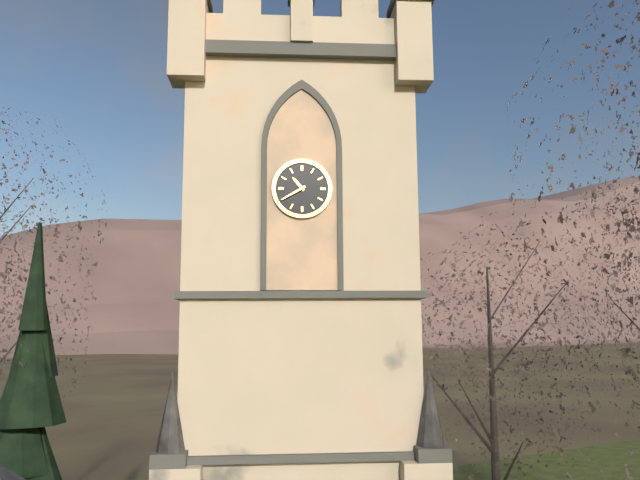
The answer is 10:40
